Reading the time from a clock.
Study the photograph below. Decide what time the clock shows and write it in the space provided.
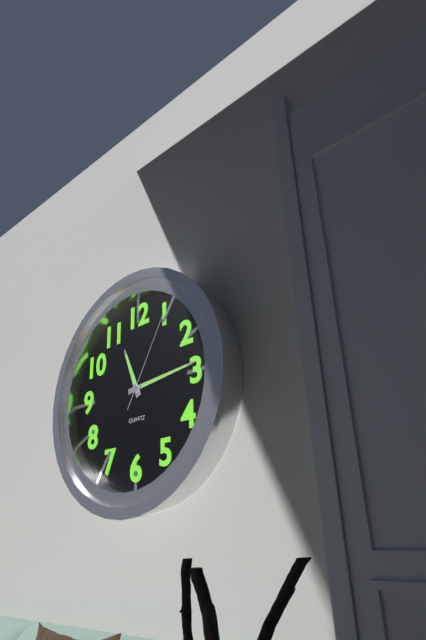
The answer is 11:14:05
